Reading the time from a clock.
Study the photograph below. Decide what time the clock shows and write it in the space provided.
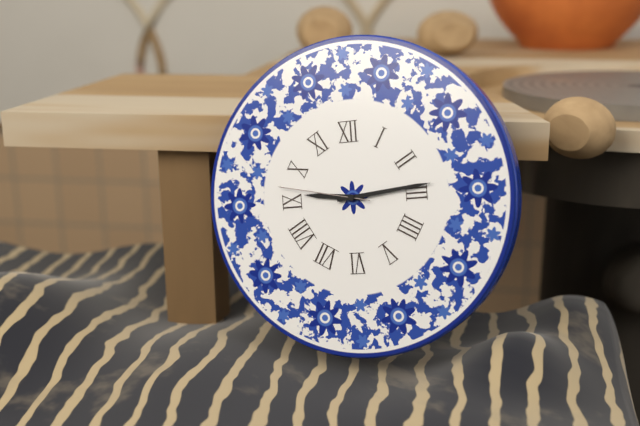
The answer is 9:14:47
